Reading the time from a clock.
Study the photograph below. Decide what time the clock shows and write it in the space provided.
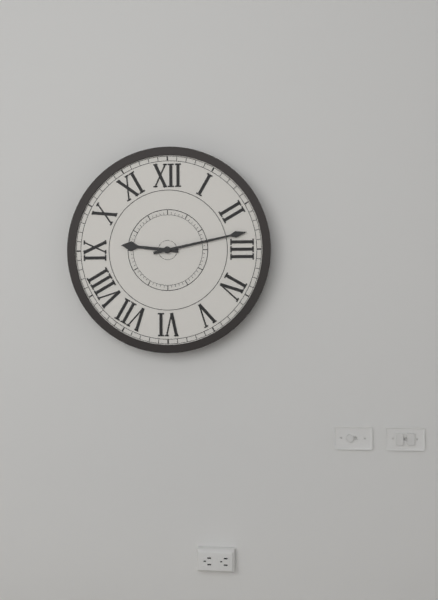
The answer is 9:13
